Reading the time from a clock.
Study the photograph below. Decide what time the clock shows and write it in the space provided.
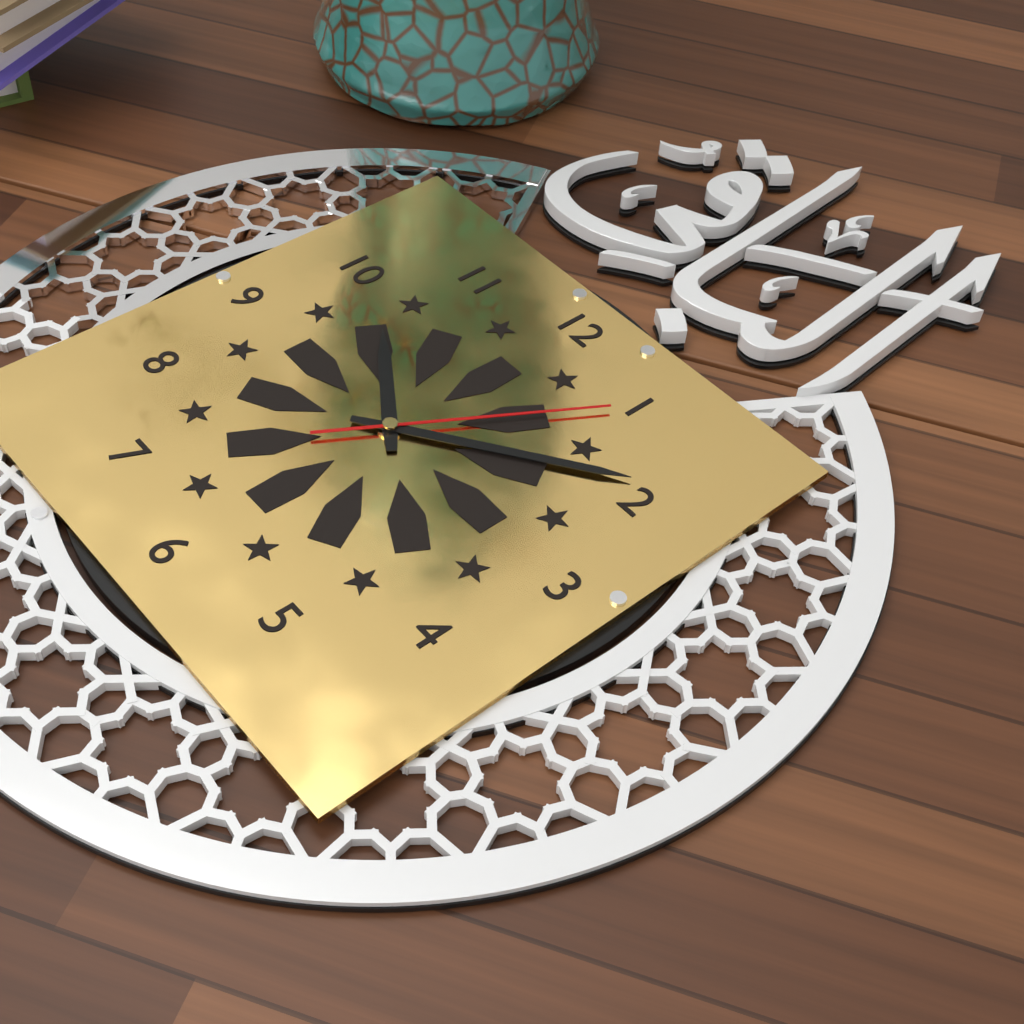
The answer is 10:09:05
